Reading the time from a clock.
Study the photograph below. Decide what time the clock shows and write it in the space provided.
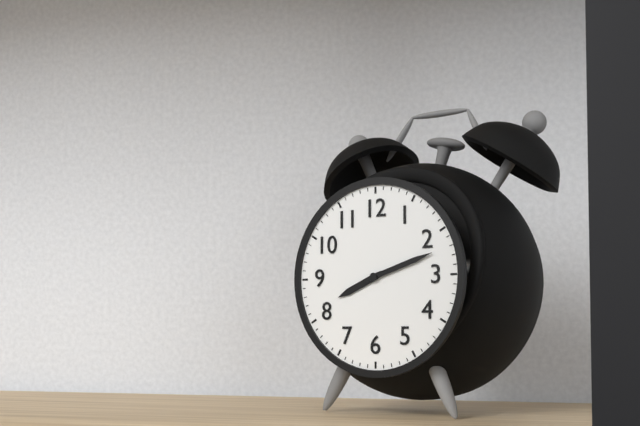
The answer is 8:12
